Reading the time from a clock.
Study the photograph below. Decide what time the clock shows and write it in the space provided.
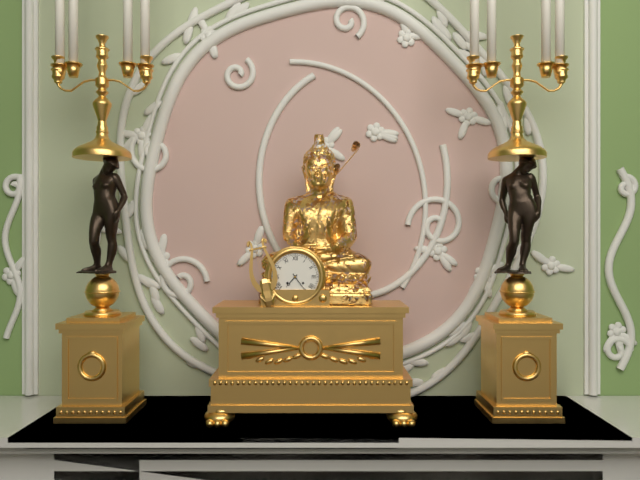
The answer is 7:24
